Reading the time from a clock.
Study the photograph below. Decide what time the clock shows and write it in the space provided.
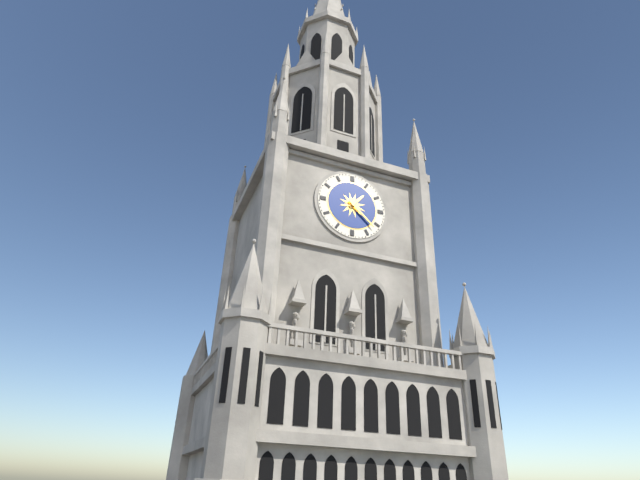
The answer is 1:22
